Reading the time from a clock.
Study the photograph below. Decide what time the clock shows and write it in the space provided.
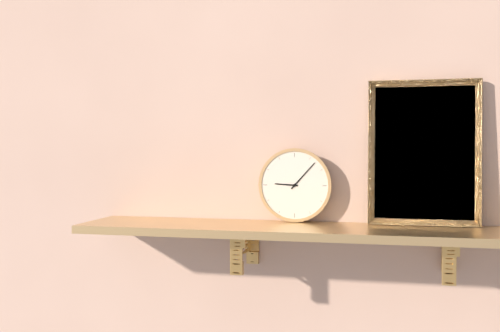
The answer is 9:07
